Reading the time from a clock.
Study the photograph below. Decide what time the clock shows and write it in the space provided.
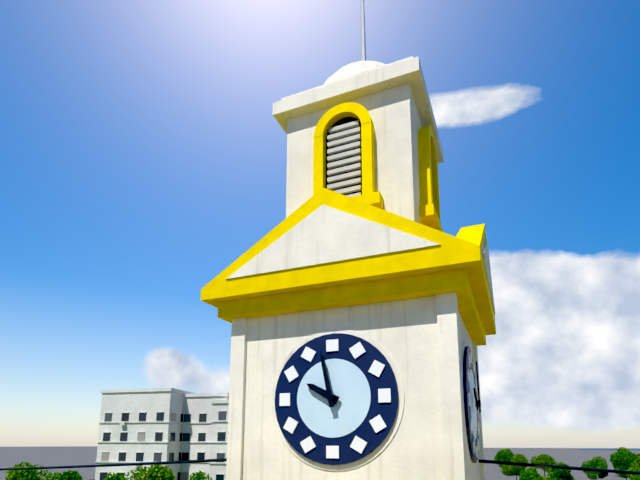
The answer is 9:58
